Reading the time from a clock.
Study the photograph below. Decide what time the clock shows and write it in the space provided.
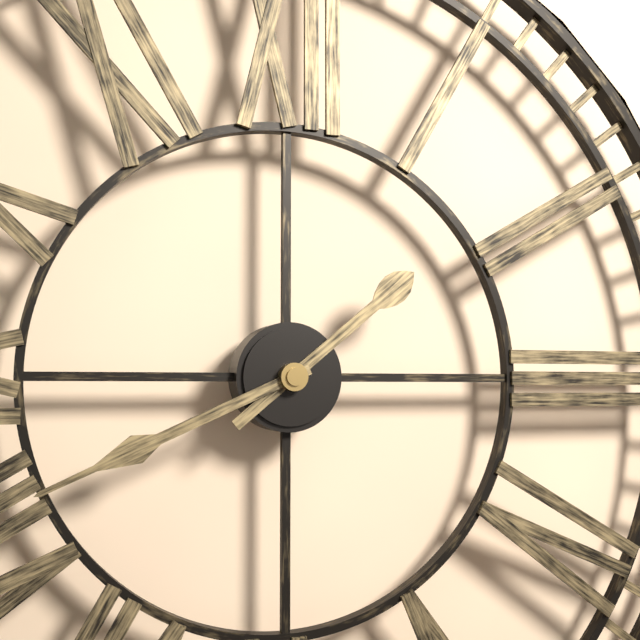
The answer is 1:41
